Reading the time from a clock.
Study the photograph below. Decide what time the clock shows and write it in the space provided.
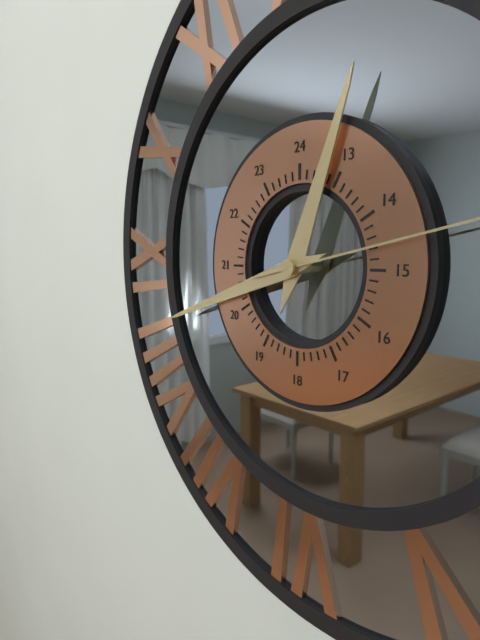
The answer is 12:42
